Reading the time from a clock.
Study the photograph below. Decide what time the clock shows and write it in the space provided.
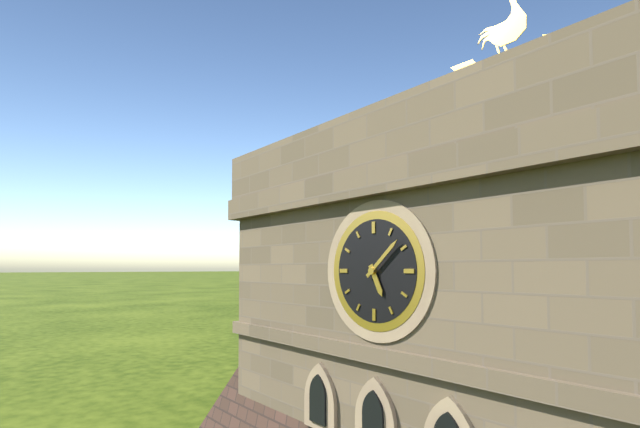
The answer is 5:08
